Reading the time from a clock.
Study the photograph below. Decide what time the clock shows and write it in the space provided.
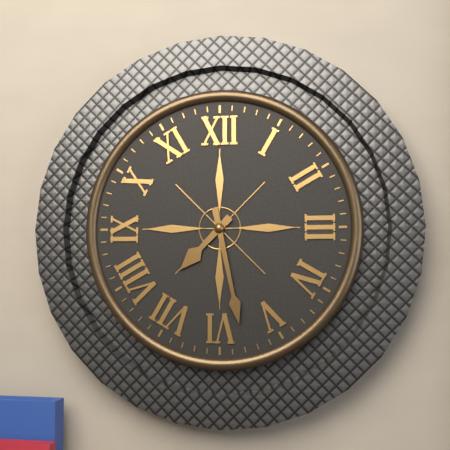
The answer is 7:28
